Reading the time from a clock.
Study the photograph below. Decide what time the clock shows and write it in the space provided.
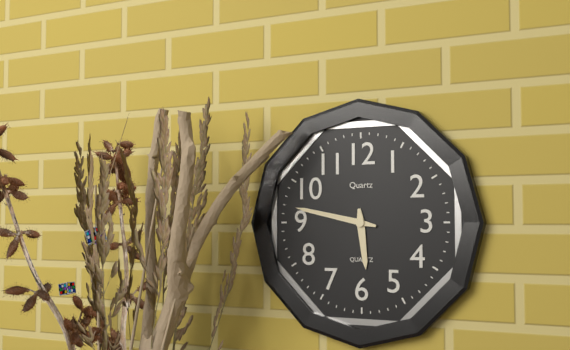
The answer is 5:47
